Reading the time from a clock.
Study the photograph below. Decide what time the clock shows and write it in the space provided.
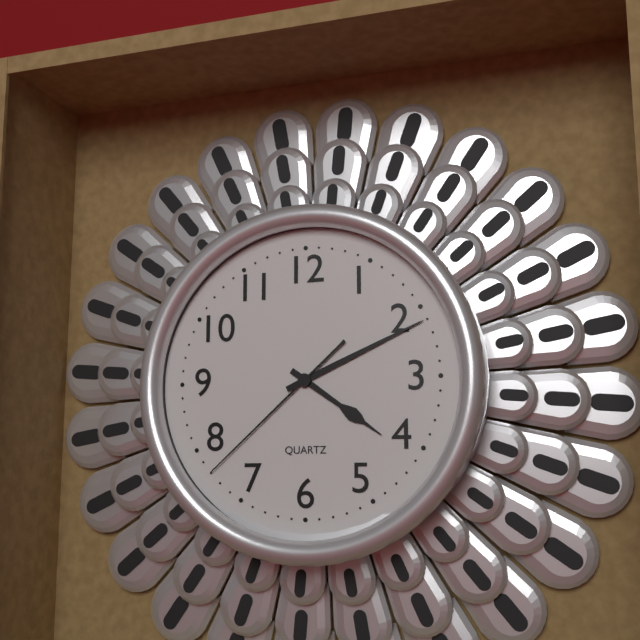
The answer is 4:11:38
